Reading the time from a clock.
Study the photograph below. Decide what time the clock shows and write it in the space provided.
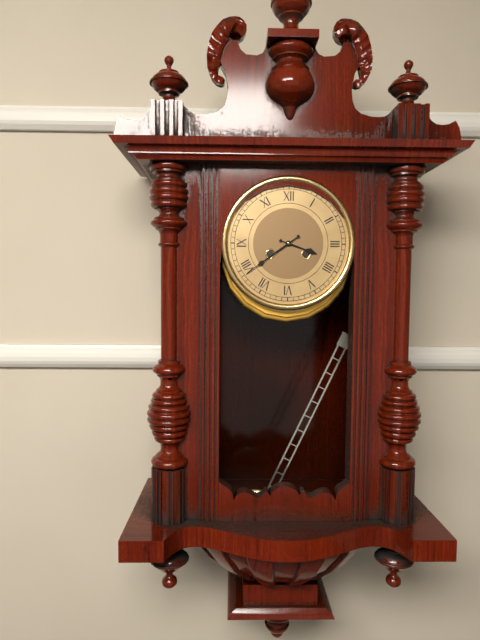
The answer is 3:39
